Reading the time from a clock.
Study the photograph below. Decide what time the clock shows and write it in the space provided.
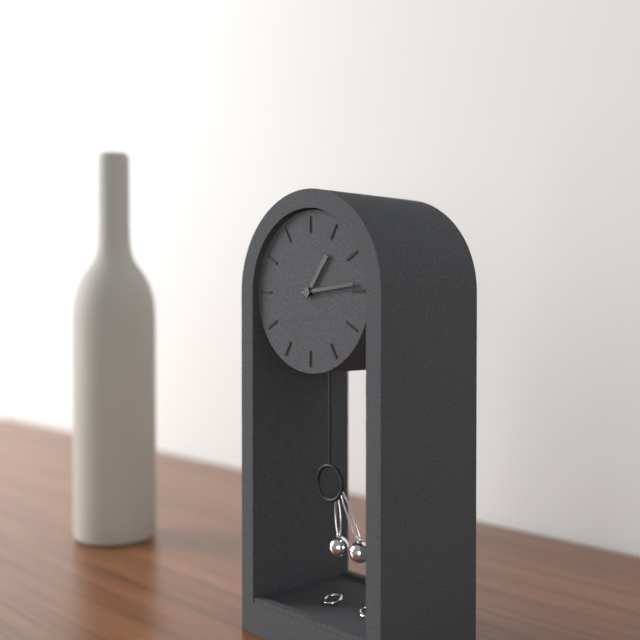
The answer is 1:14
